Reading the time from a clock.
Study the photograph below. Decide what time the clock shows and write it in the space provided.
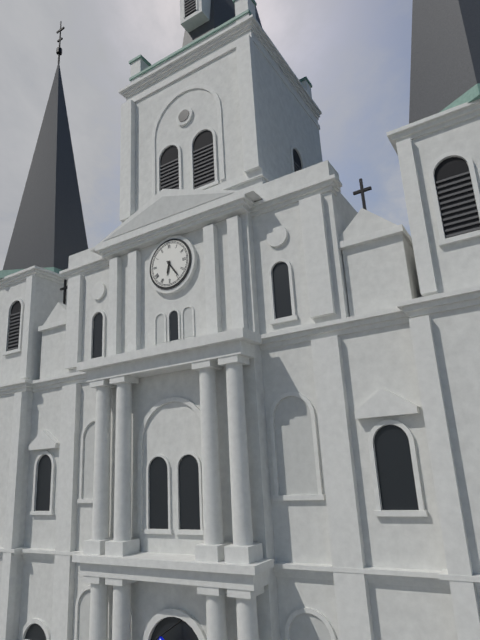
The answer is 6:24
